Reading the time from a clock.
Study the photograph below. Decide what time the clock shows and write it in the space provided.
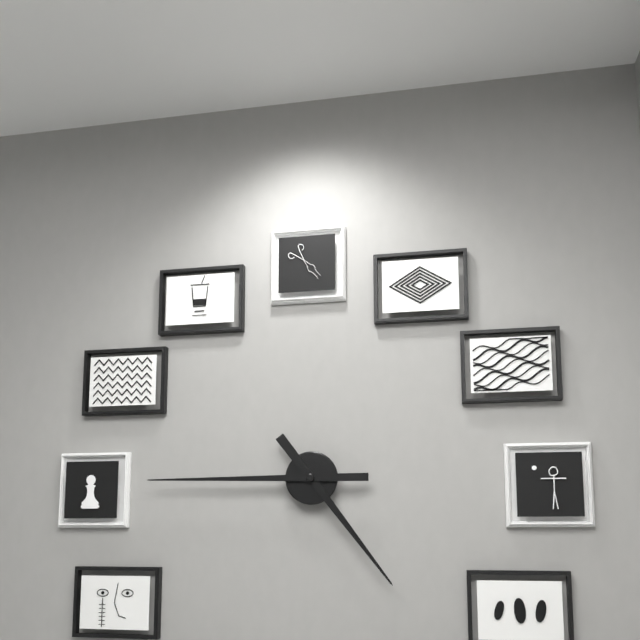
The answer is 4:45
